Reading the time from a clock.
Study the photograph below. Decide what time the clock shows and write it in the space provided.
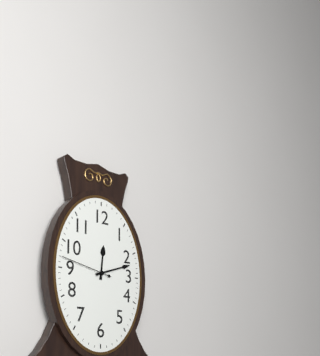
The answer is 12:12:47
